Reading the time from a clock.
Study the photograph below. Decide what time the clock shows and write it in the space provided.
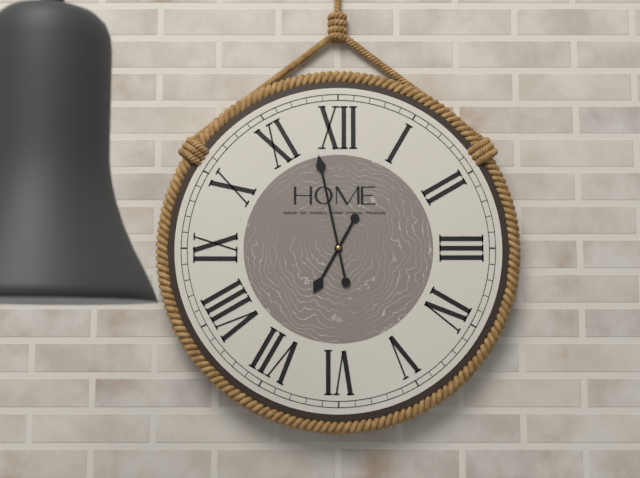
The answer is 6:58
